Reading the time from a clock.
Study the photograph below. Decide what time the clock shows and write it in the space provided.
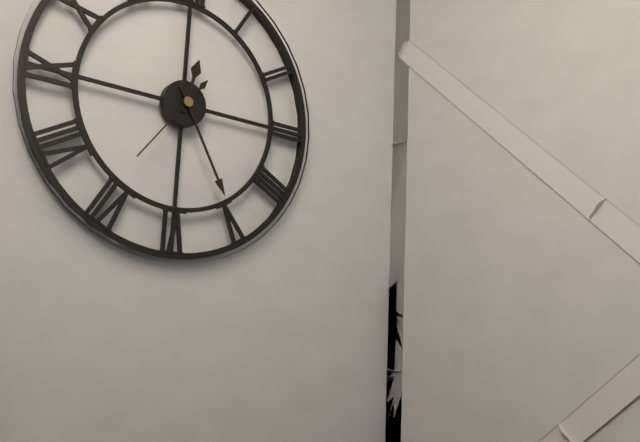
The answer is 12:25:36
